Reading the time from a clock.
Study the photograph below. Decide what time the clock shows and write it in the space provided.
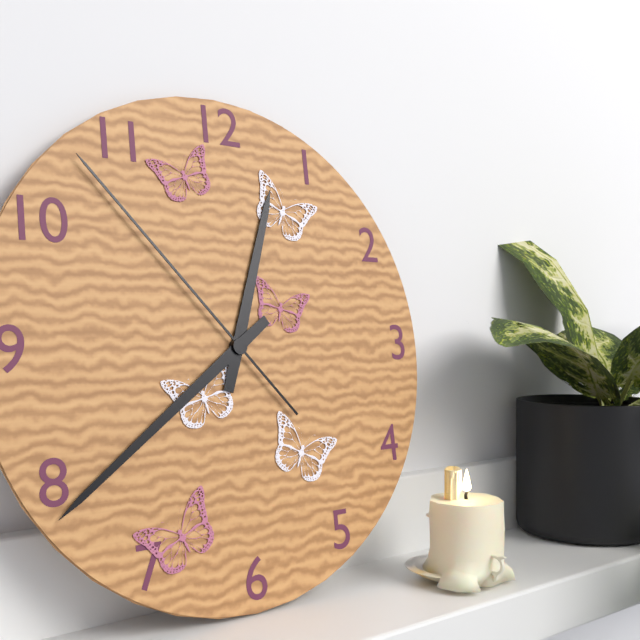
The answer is 12:39:53
